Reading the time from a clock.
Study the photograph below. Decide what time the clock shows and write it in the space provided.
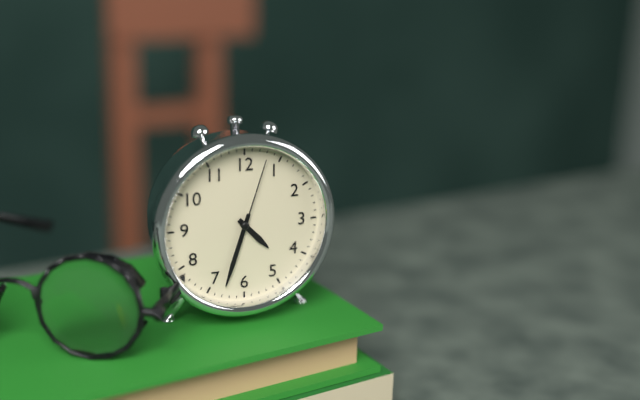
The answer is 4:33:03
